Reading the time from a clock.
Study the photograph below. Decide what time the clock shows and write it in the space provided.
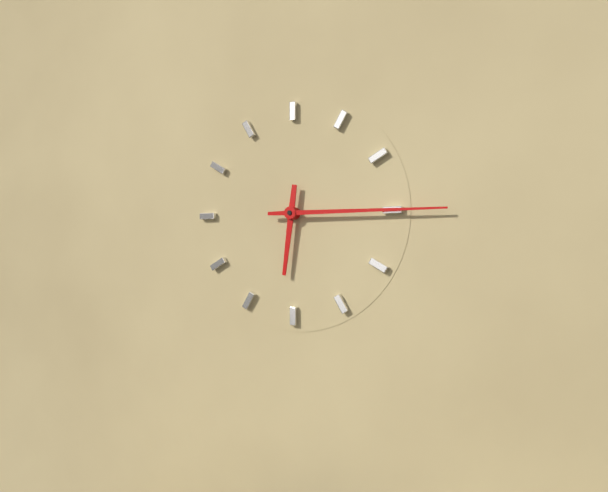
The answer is 6:15
